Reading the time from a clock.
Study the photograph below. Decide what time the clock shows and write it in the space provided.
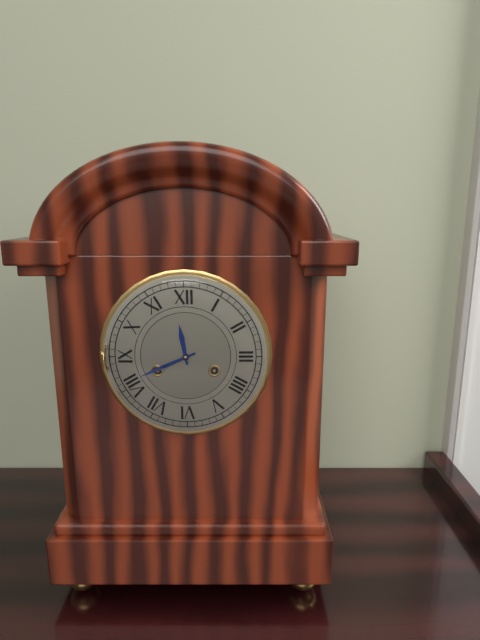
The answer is 11:41
